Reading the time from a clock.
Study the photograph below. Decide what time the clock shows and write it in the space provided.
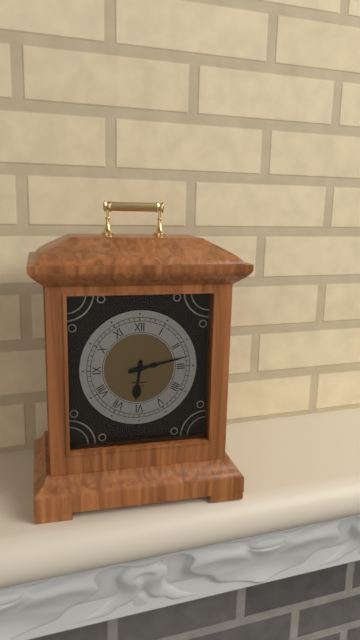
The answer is 6:13
